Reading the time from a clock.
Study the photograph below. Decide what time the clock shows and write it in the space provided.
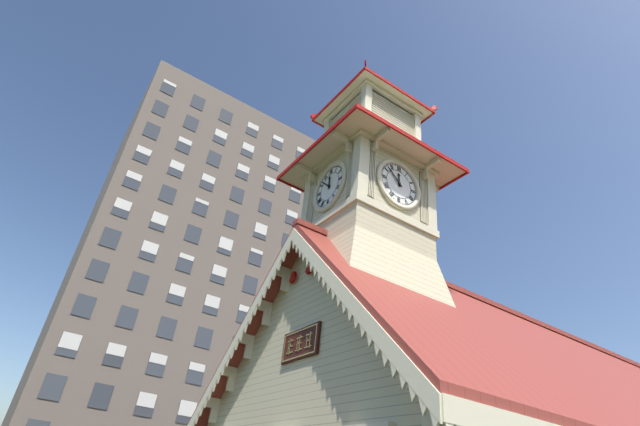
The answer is 11:52
